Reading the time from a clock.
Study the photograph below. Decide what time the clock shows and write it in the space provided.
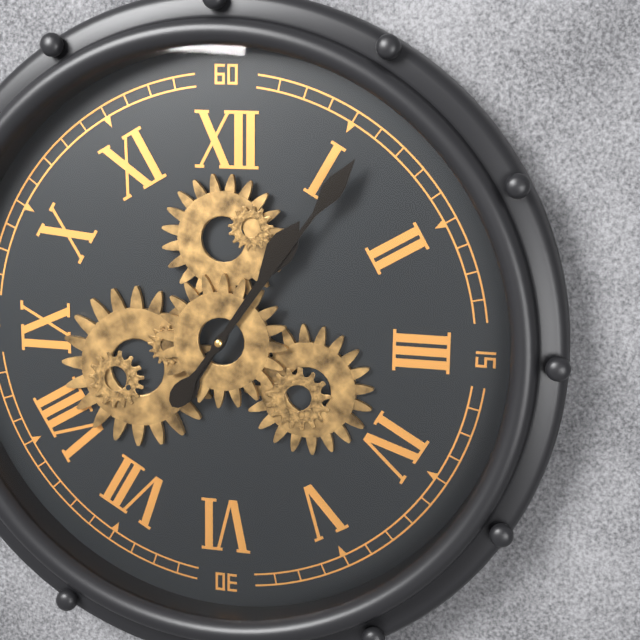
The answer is 1:06
